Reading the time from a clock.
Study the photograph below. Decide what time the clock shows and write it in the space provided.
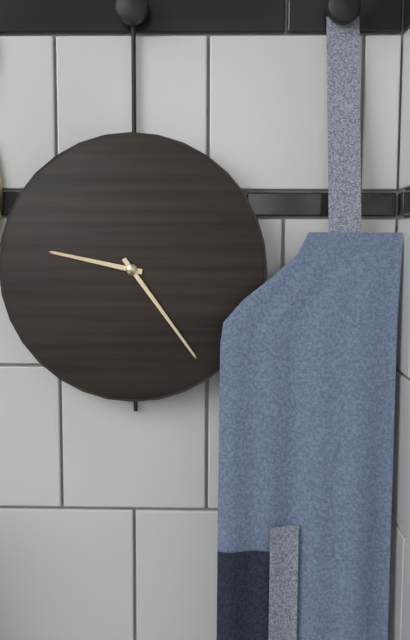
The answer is 9:24
